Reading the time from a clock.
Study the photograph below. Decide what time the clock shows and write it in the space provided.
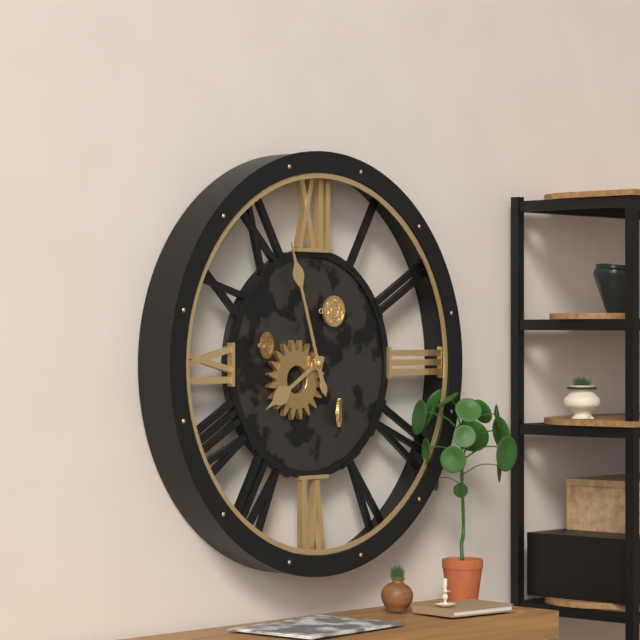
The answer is 7:57
